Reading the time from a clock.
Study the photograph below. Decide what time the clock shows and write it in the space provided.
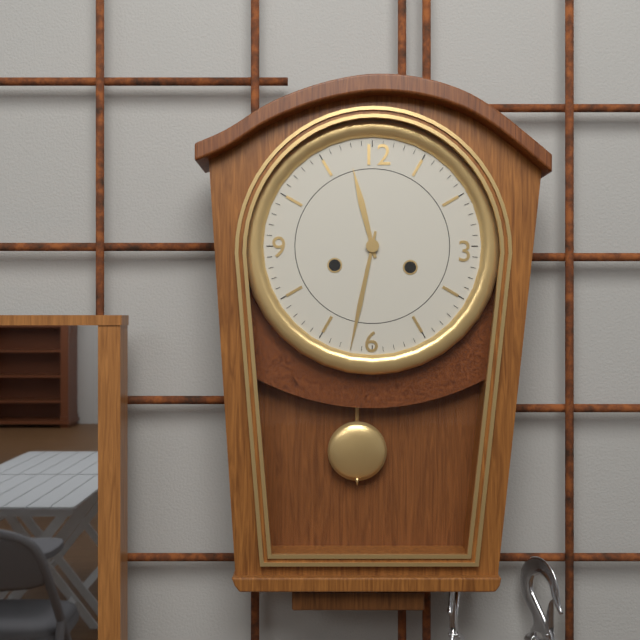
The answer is 11:32
